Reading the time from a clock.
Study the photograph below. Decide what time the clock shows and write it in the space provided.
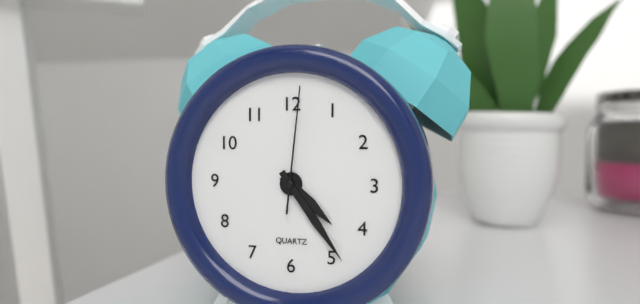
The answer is 4:24:01
